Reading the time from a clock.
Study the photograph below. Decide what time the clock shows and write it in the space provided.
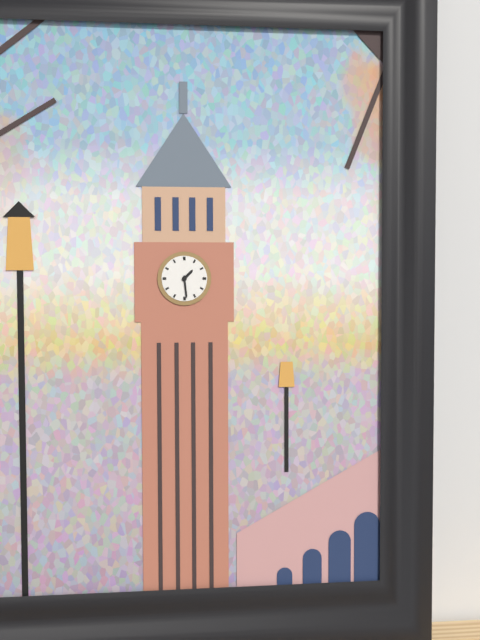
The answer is 1:29
